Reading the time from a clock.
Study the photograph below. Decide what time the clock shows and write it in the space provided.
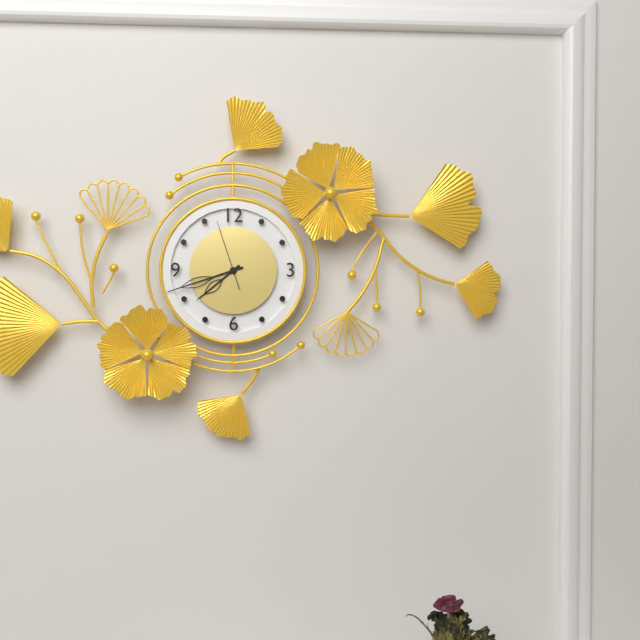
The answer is 7:42:57
